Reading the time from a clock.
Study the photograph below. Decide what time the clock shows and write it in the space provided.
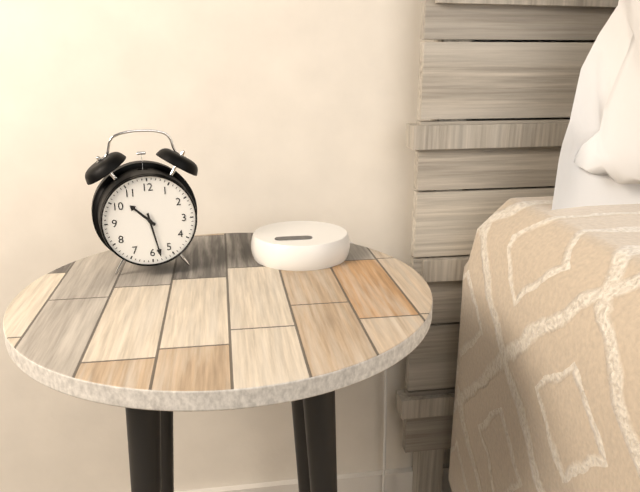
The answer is 10:28
